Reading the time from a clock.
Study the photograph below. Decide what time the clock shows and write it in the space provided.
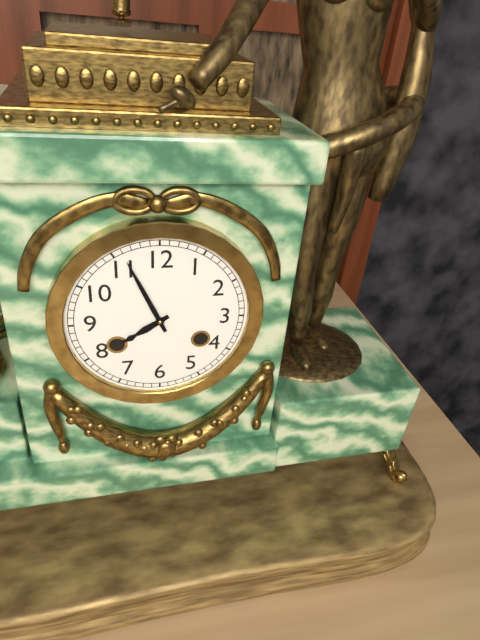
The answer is 7:56
